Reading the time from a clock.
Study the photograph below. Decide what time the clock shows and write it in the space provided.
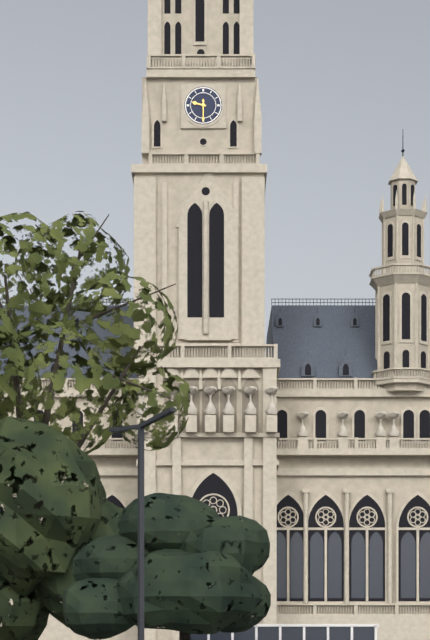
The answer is 9:30
